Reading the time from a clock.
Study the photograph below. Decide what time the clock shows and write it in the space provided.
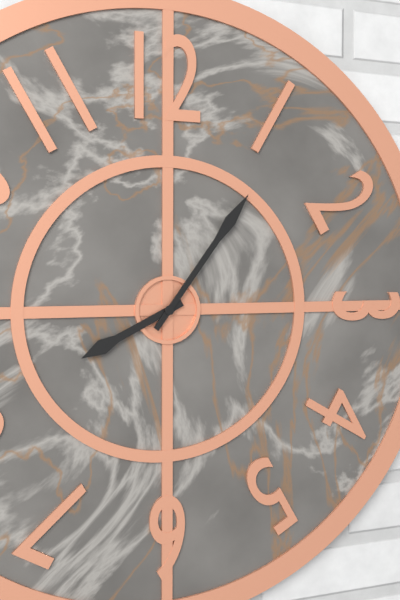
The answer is 8:06
